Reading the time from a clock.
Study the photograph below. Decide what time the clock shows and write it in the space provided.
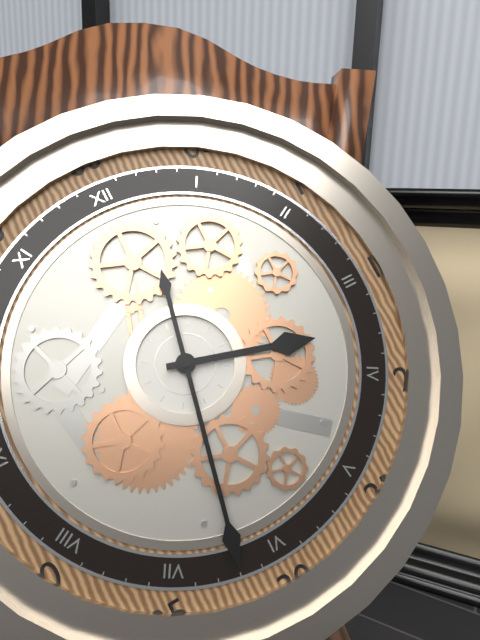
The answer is 3:32
